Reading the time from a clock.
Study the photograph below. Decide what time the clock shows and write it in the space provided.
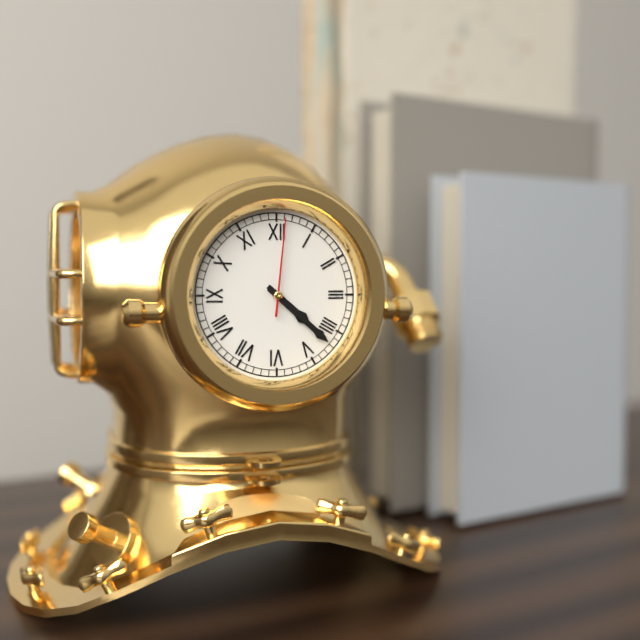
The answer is 4:22:01
